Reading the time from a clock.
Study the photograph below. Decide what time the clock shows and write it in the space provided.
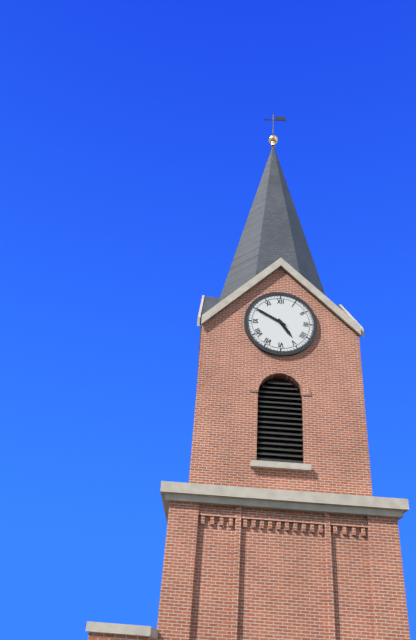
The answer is 4:50
